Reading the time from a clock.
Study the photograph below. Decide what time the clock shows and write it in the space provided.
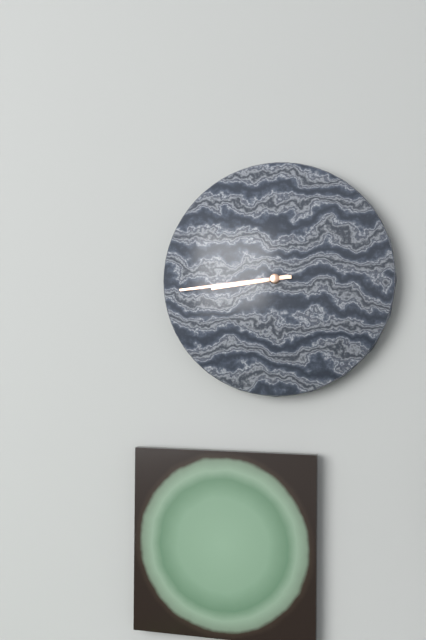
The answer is 8:44
